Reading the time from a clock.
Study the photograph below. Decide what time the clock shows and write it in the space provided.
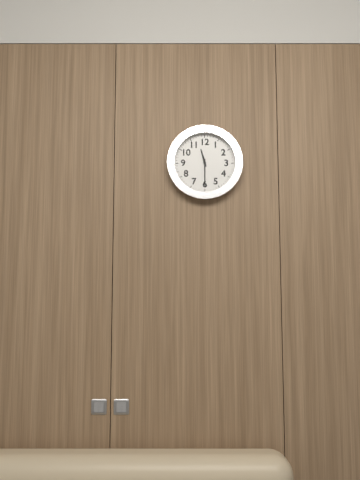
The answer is 11:30
